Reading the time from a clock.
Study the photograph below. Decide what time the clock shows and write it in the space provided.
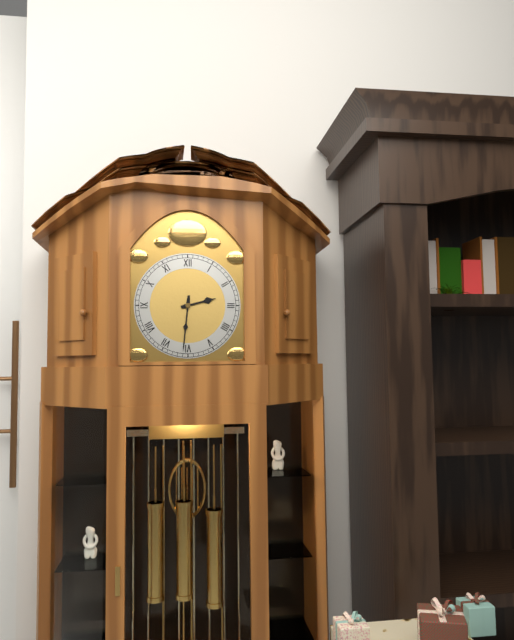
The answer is 2:31
